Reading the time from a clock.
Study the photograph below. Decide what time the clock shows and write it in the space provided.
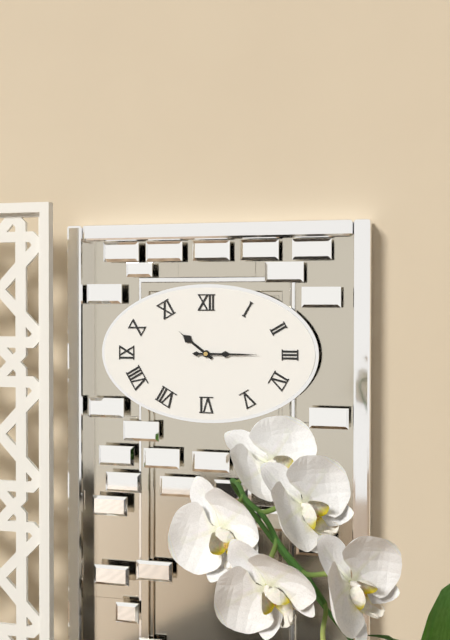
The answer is 10:15
